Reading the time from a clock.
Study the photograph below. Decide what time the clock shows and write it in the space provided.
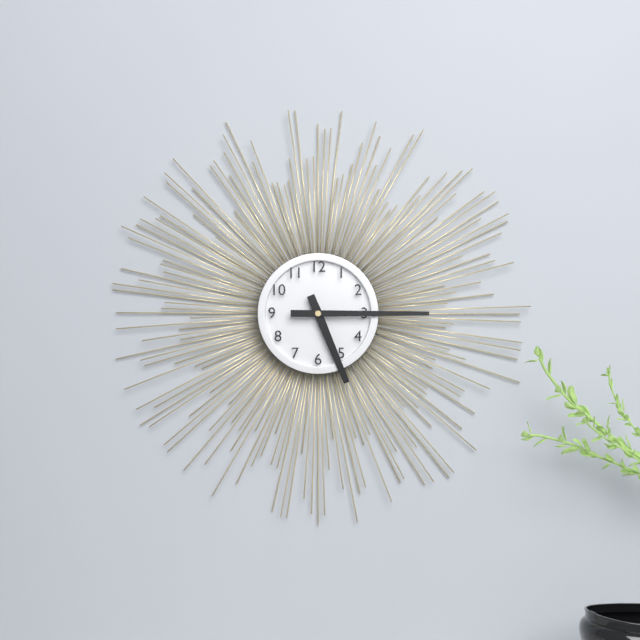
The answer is 5:15
